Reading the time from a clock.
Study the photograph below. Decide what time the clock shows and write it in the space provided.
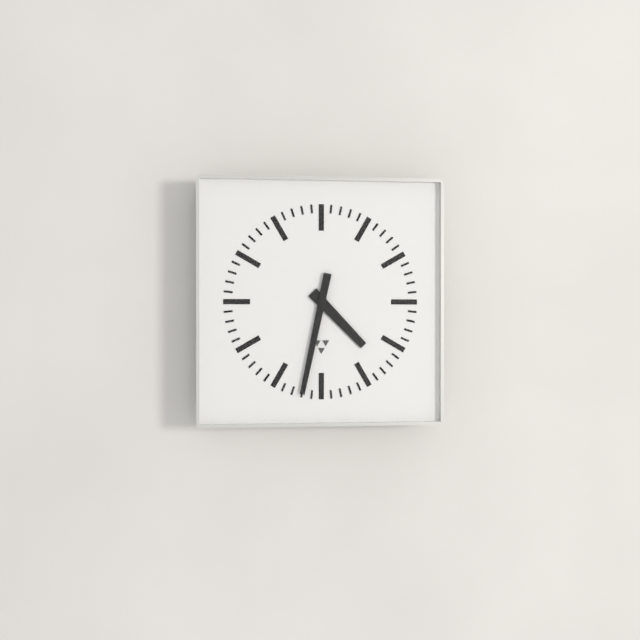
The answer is 4:32
